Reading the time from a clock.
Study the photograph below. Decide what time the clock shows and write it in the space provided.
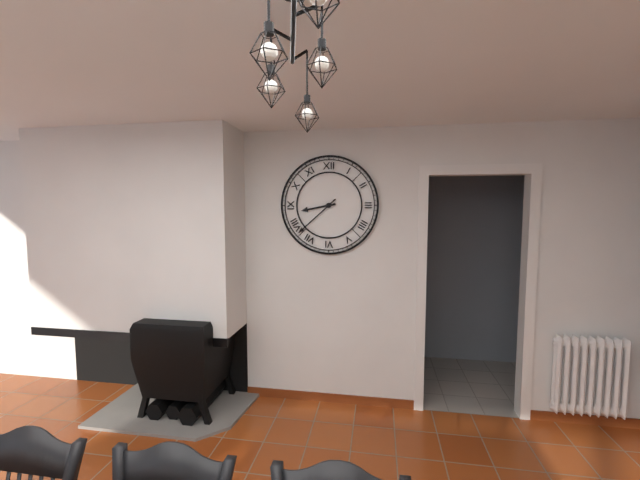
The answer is 8:38
